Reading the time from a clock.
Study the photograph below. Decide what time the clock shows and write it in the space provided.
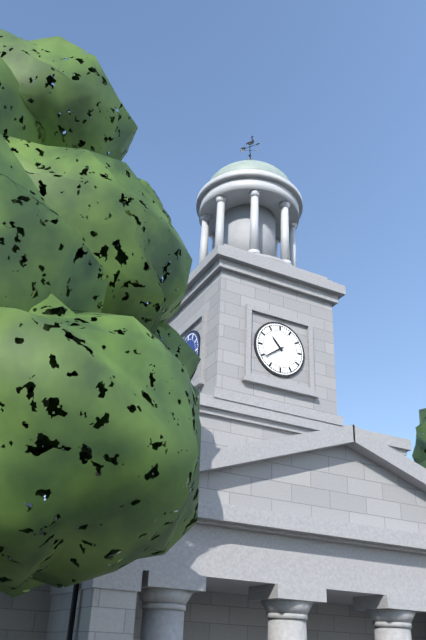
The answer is 10:39
